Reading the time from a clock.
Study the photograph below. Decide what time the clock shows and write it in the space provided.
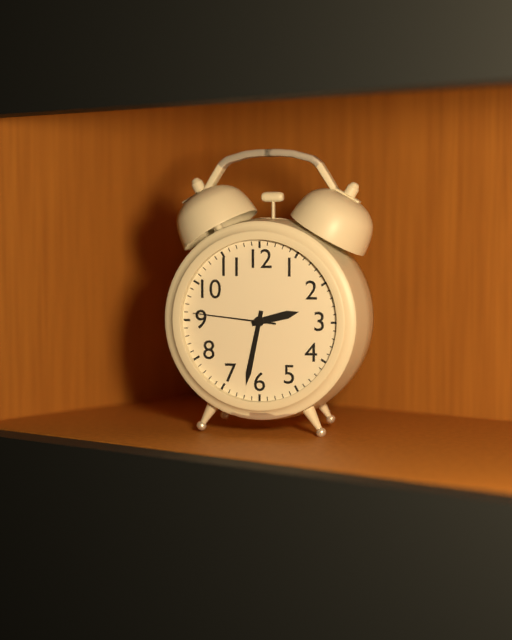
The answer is 2:32:46
